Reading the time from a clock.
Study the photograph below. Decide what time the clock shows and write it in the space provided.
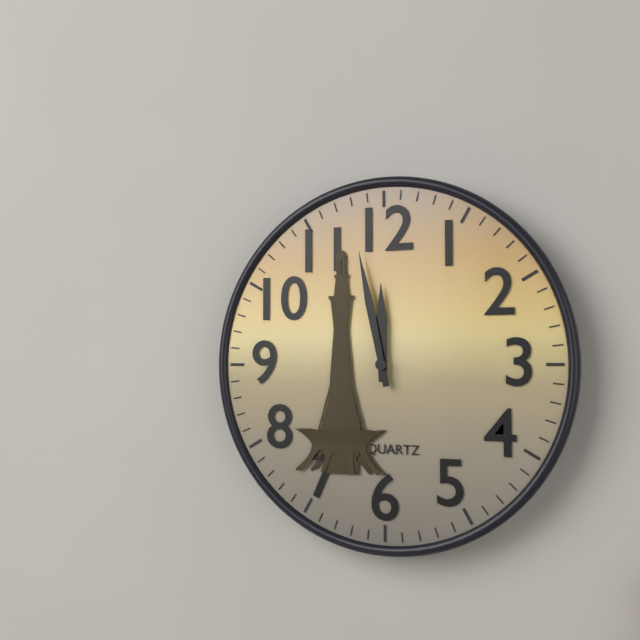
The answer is 11:58
